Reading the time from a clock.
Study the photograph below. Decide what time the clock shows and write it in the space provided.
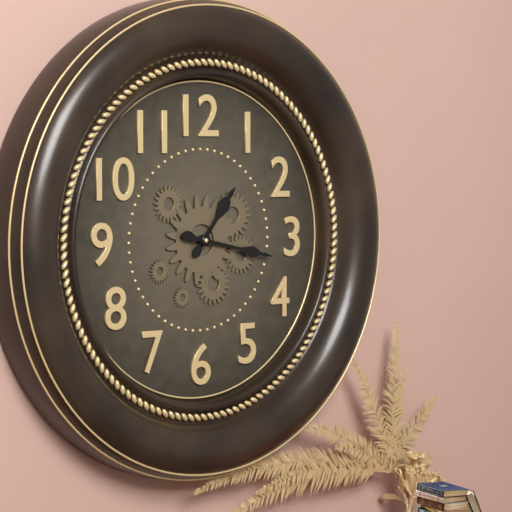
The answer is 1:17
